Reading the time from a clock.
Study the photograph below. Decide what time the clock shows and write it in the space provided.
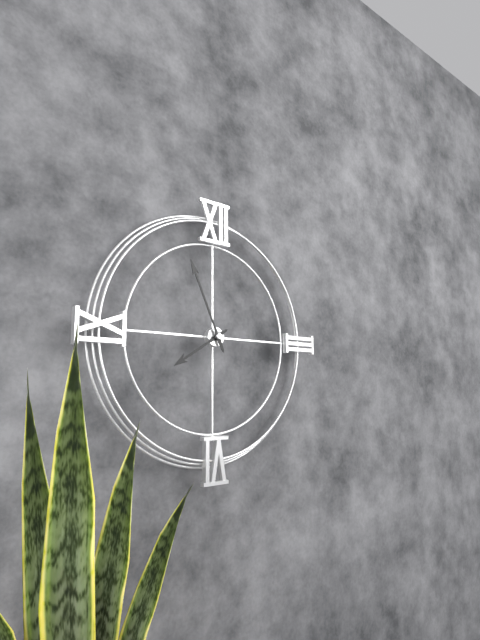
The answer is 7:56
